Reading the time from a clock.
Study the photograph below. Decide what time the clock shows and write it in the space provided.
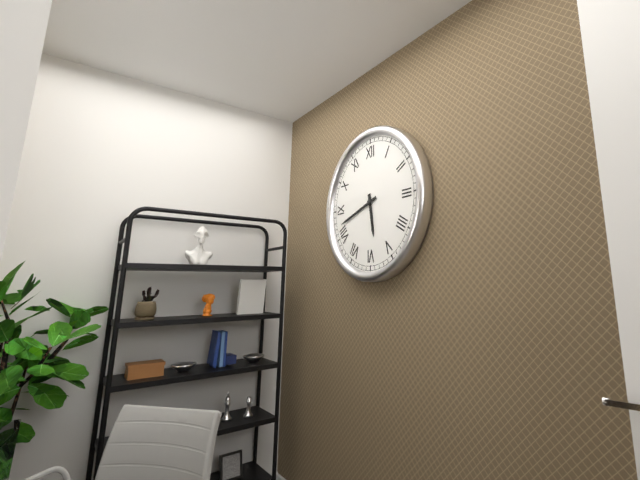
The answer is 5:42
